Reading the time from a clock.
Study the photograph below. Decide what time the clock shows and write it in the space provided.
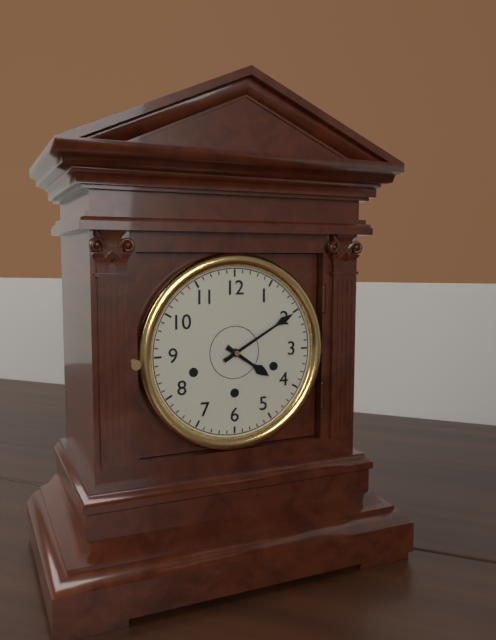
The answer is 4:10
